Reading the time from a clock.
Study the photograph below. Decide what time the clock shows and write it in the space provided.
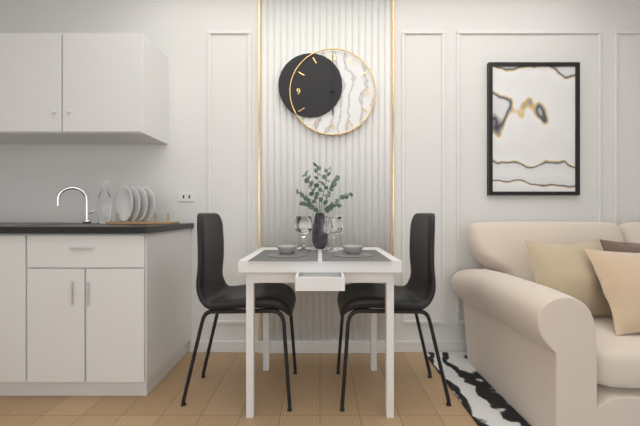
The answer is 6:00
